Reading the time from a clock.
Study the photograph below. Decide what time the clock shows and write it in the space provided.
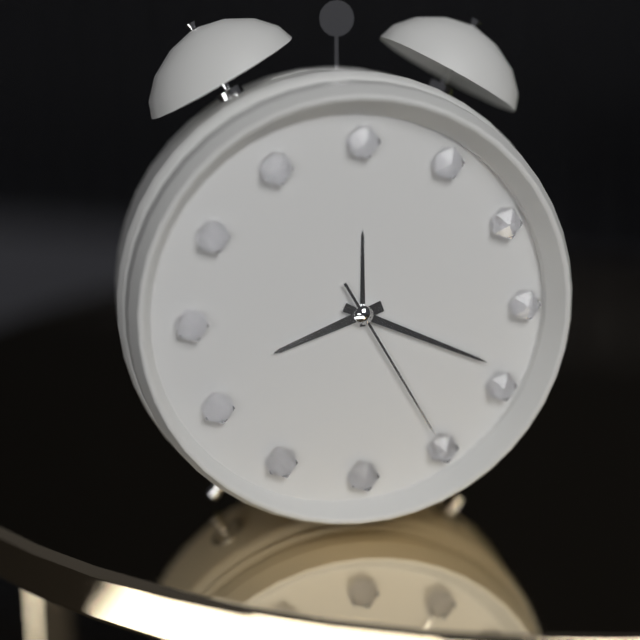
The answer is 8:19:25
